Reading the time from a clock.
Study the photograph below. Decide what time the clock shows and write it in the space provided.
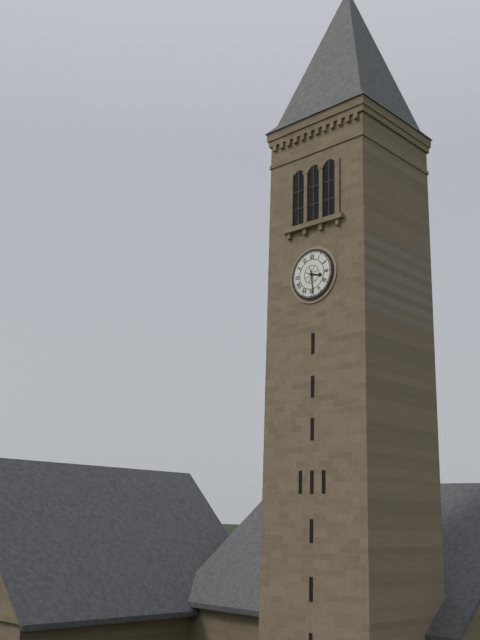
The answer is 3:29
